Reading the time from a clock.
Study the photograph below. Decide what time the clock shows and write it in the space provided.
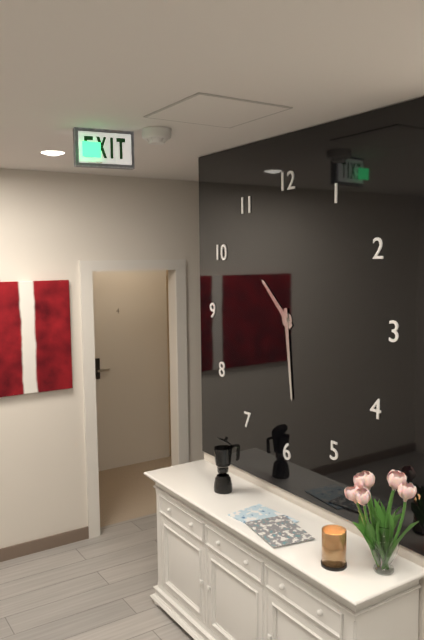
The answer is 10:29
